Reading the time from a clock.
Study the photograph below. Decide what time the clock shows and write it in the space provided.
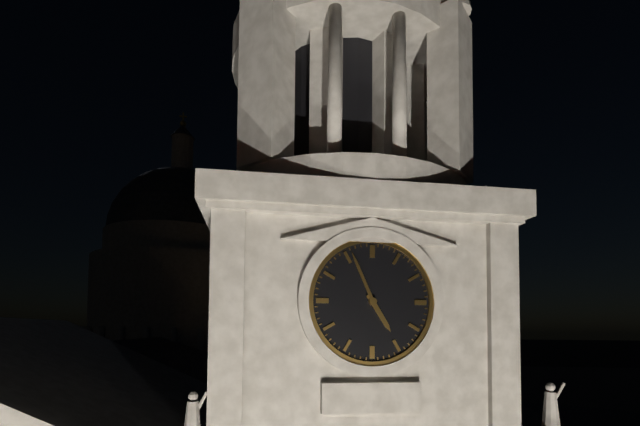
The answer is 4:56
